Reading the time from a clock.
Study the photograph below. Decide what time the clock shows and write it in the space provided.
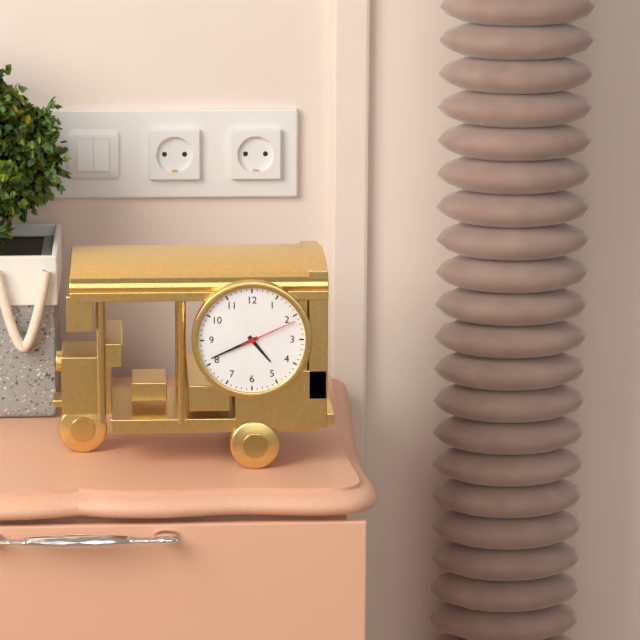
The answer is 4:41:11
